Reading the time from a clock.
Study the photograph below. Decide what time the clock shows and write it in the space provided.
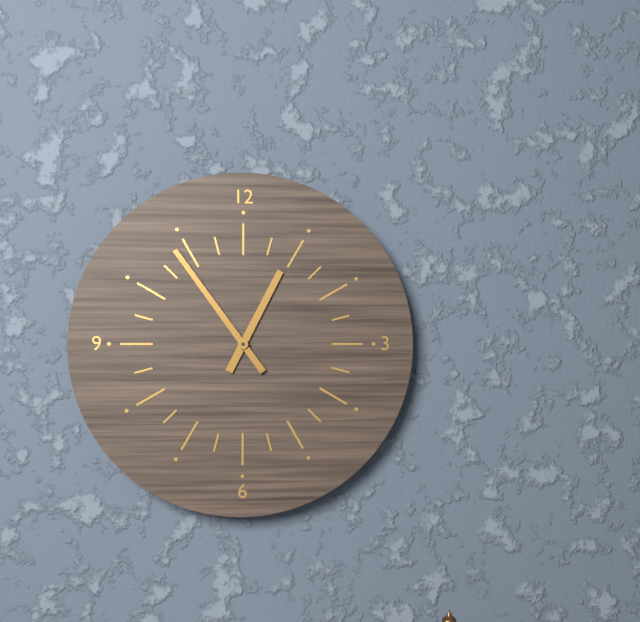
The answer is 12:54
